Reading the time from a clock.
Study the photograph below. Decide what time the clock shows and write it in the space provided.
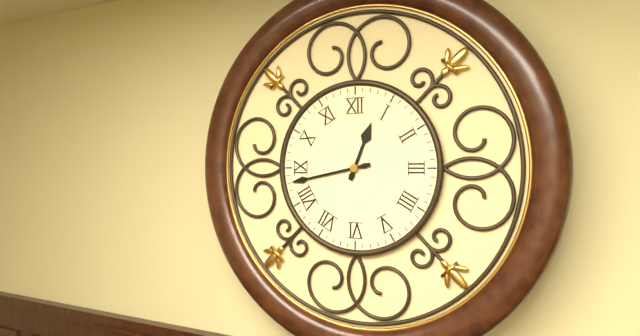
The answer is 12:43
